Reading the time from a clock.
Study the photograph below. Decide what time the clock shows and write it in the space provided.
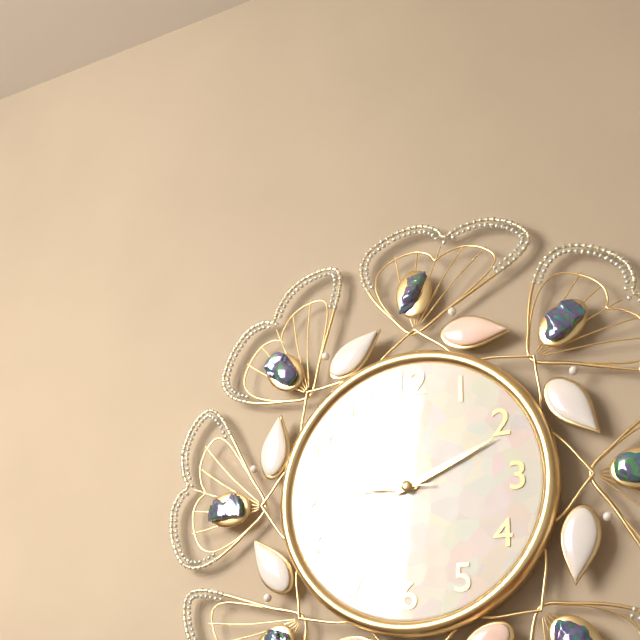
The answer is 9:11:45
